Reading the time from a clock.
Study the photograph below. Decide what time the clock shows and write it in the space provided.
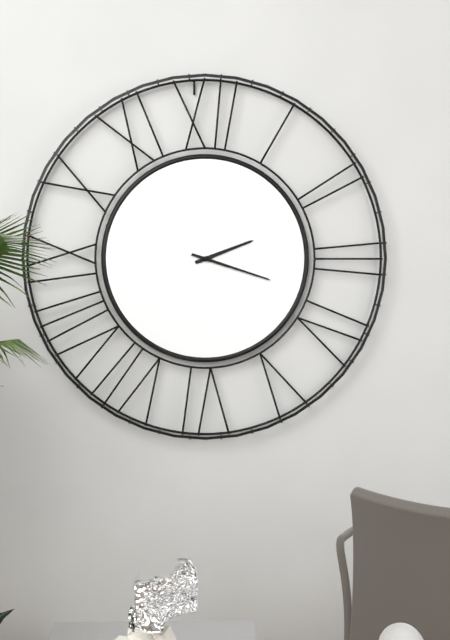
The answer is 2:18
